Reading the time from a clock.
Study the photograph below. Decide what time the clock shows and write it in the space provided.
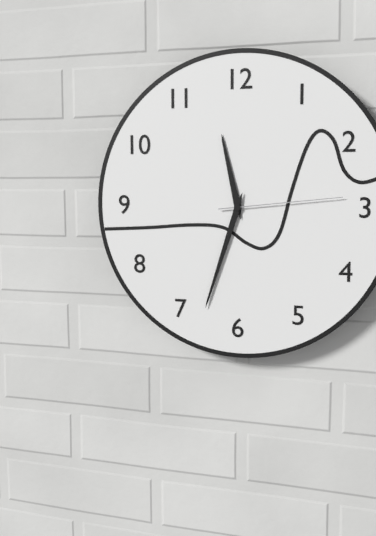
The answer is 11:33:14
